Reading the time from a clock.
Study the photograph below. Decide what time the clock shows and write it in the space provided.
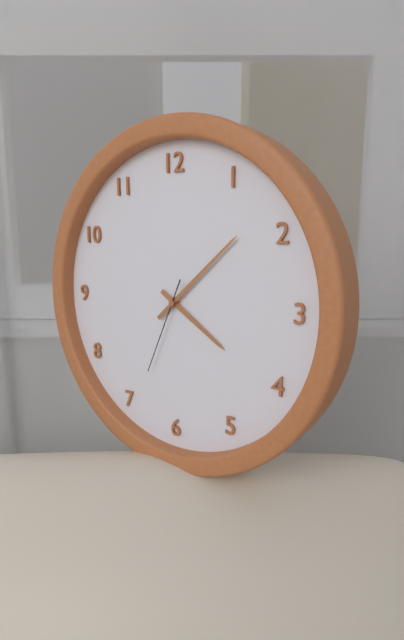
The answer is 4:08:34
